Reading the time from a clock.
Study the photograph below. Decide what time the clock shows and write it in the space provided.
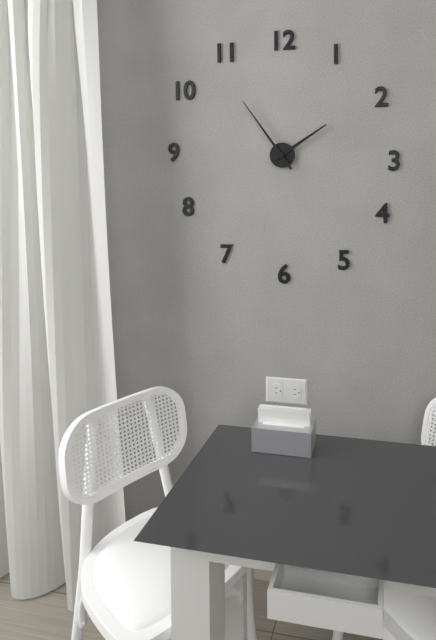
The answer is 1:54
